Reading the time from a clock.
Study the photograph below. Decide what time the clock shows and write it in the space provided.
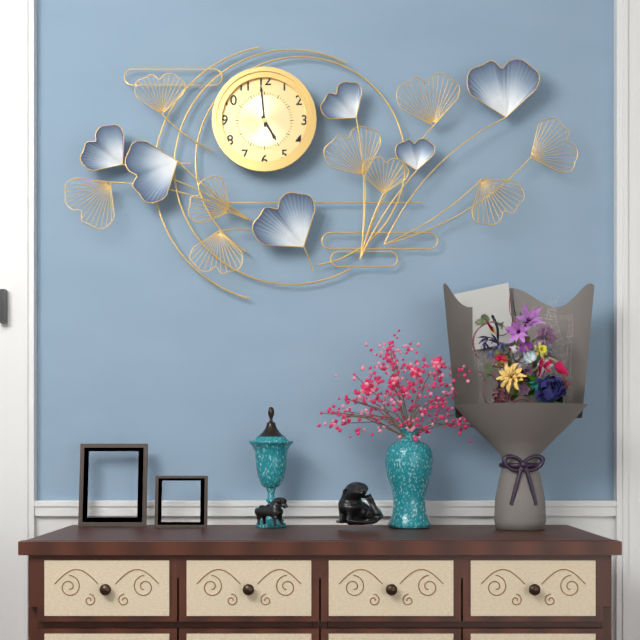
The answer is 4:59
